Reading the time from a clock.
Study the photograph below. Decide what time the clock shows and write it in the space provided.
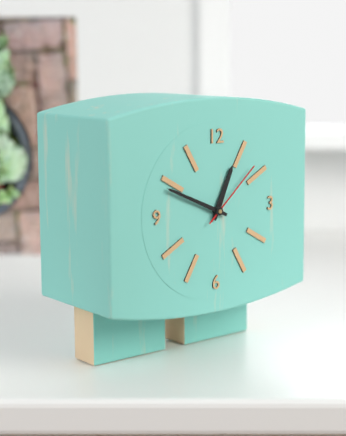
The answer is 12:49:08
